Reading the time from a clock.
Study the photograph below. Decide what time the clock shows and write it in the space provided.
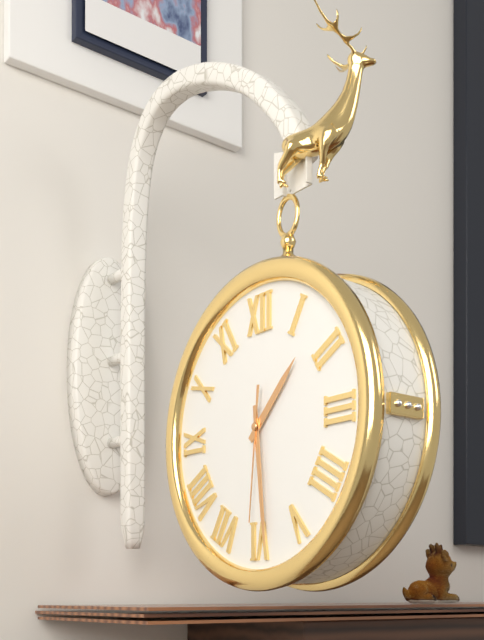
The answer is 1:29:31
